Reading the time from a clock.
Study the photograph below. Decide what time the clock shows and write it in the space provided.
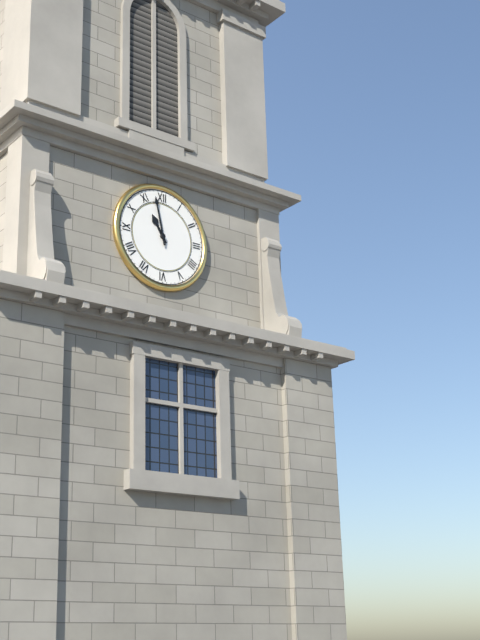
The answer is 10:58
